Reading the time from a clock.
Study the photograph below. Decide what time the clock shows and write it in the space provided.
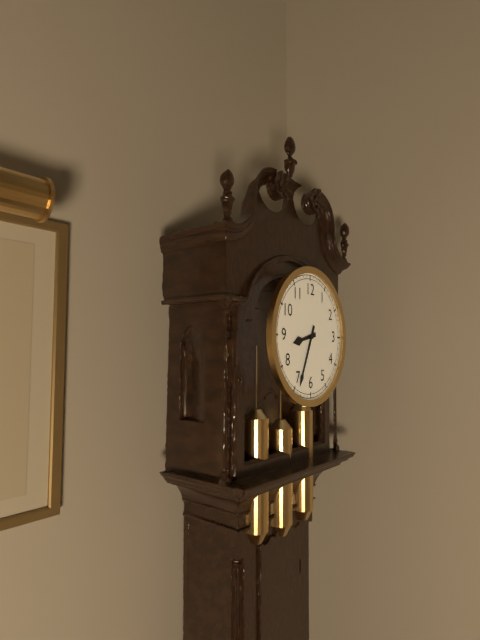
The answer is 8:34
